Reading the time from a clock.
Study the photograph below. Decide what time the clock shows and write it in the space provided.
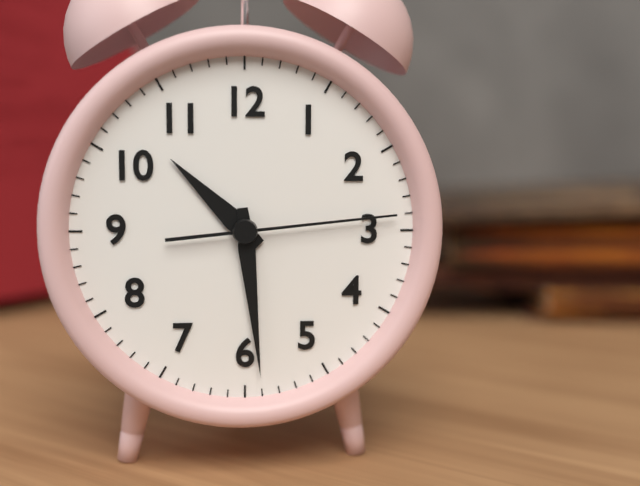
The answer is 10:29:14
